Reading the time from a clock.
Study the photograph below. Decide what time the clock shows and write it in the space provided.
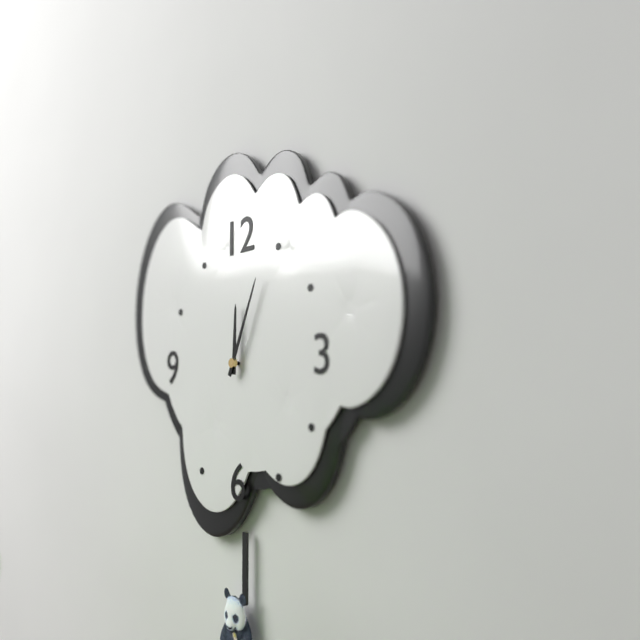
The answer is 12:04
